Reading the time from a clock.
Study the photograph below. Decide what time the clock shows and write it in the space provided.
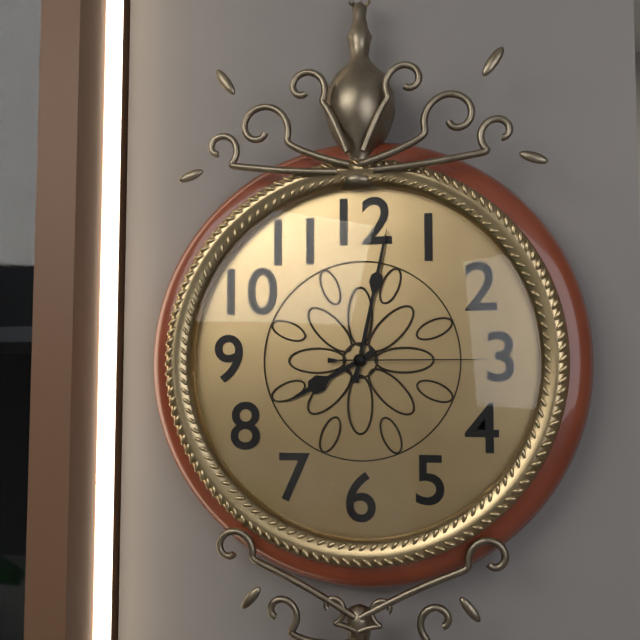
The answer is 8:02:15
